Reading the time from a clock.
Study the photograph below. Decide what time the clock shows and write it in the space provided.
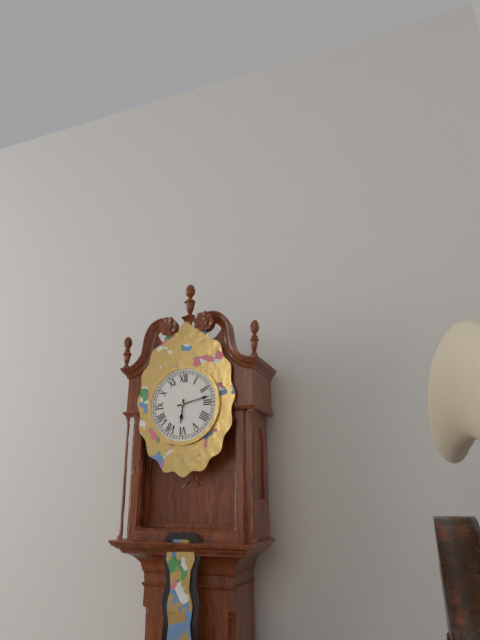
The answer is 6:13
